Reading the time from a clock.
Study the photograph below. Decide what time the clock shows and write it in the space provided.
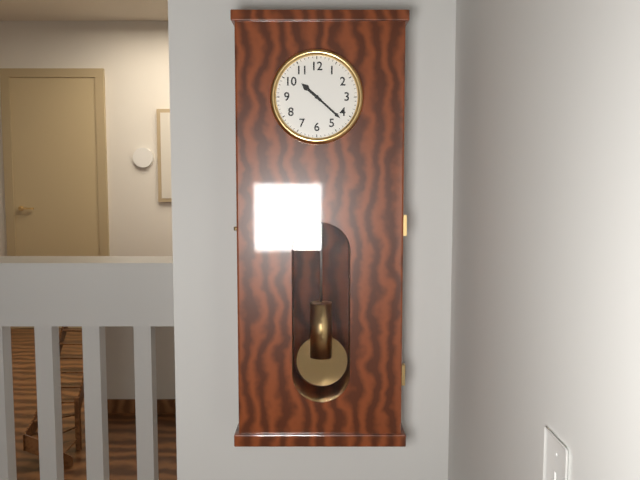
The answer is 10:22
